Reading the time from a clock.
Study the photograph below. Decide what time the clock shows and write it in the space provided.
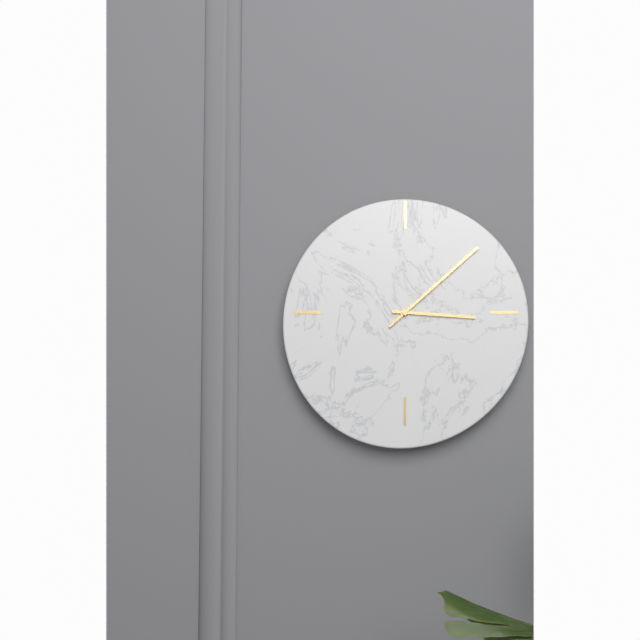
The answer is 3:08
